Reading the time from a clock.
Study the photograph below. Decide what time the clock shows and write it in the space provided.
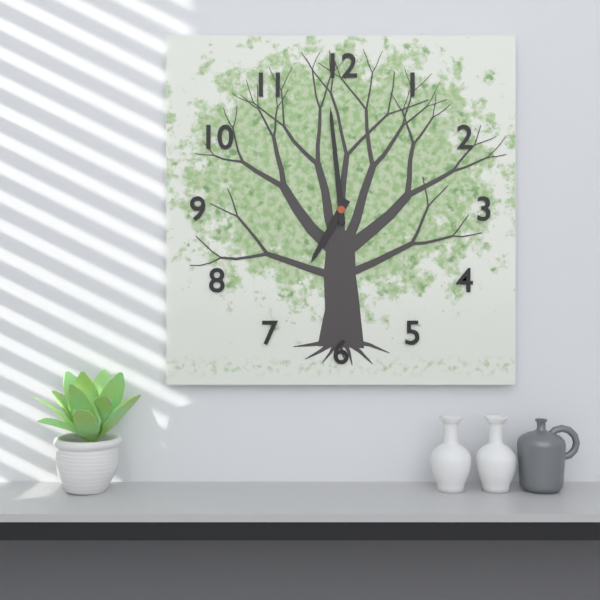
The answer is 6:59
